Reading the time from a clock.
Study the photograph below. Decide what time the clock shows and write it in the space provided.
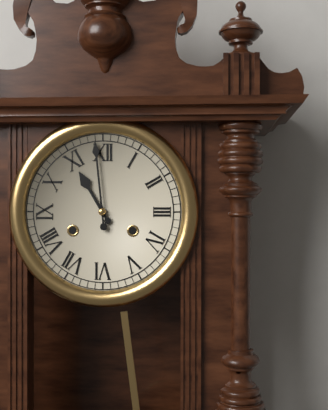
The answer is 10:59
